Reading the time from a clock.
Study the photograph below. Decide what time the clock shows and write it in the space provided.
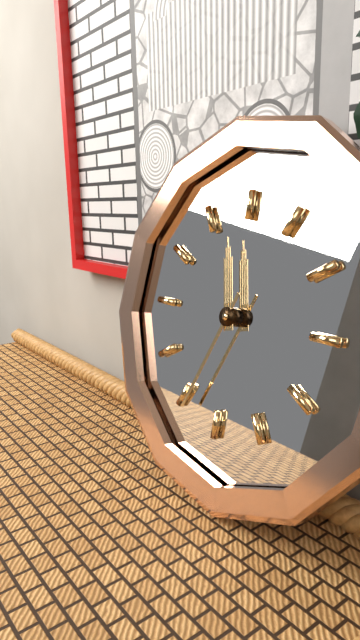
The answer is 11:34
